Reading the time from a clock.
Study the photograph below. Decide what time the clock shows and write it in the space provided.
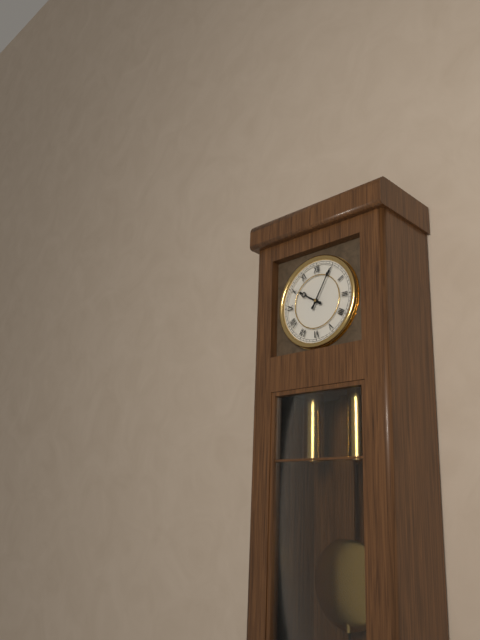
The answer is 10:05
